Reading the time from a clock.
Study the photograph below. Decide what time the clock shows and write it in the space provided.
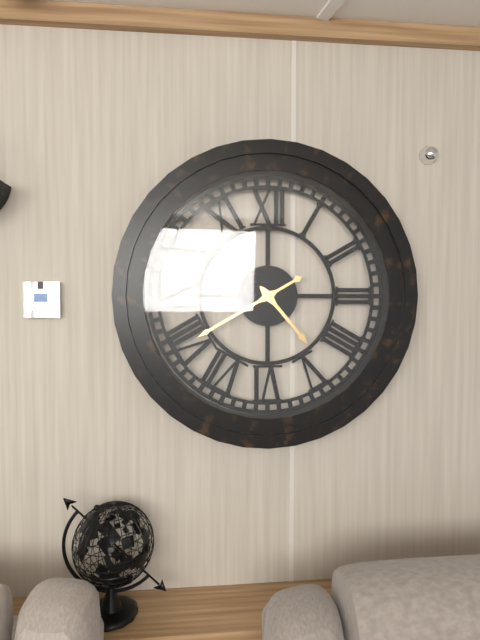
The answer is 4:40
